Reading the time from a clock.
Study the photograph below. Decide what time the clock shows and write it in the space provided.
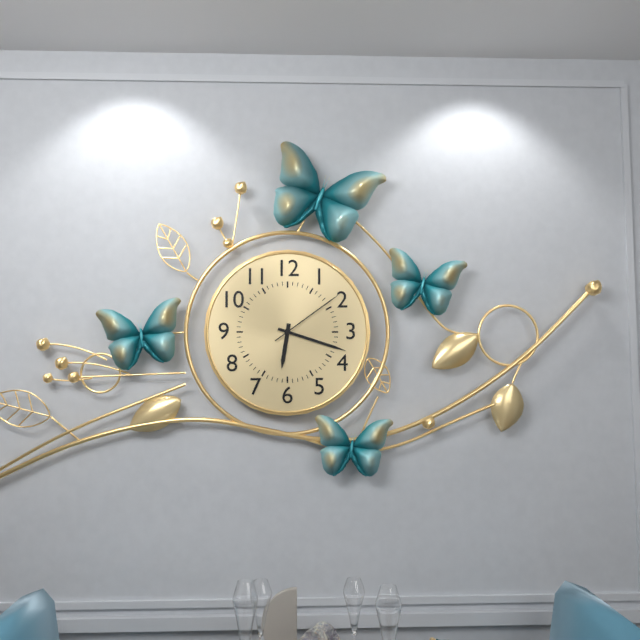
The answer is 6:18:09
